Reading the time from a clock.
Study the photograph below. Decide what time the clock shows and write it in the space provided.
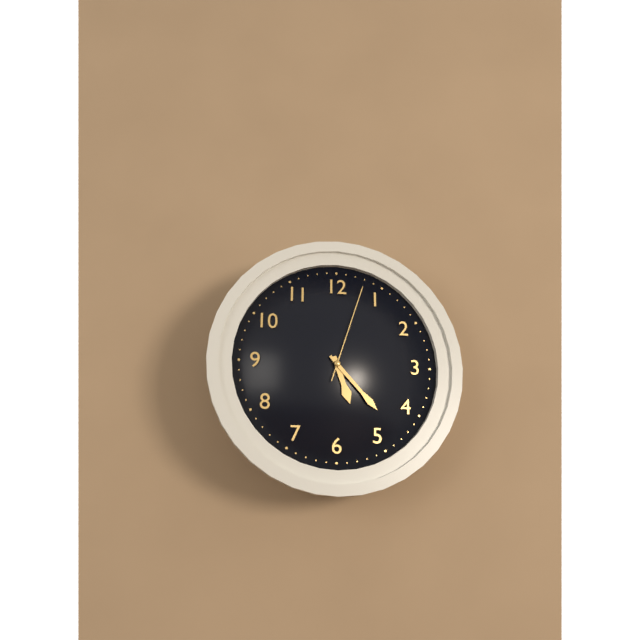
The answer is 5:23:03
